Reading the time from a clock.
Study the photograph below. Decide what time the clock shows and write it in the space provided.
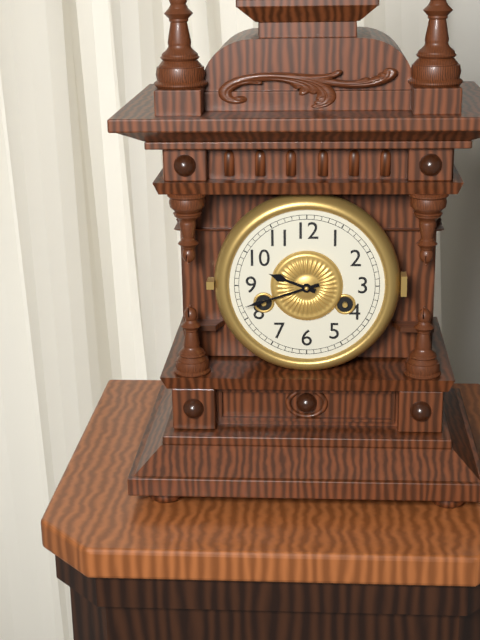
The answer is 9:42
